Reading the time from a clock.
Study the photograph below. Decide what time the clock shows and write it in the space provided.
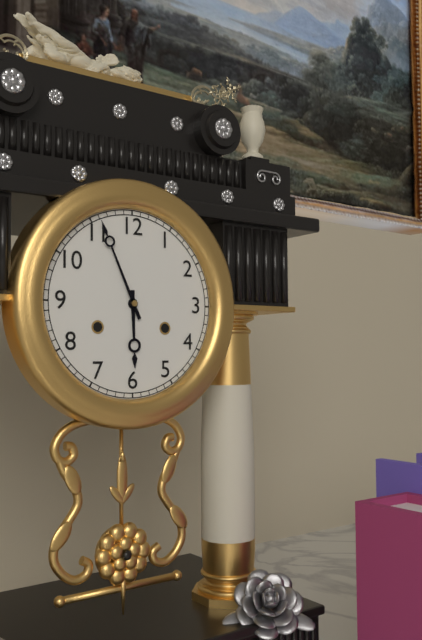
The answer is 5:56
